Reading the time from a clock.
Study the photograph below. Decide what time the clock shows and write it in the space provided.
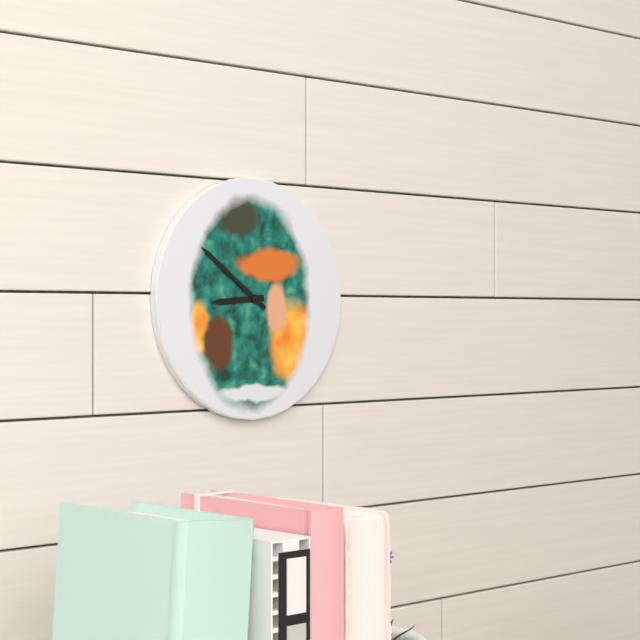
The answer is 8:51
